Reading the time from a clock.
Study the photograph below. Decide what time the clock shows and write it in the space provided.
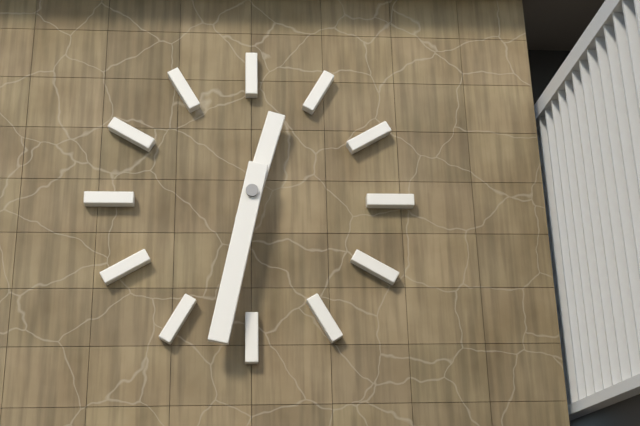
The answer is 12:32
